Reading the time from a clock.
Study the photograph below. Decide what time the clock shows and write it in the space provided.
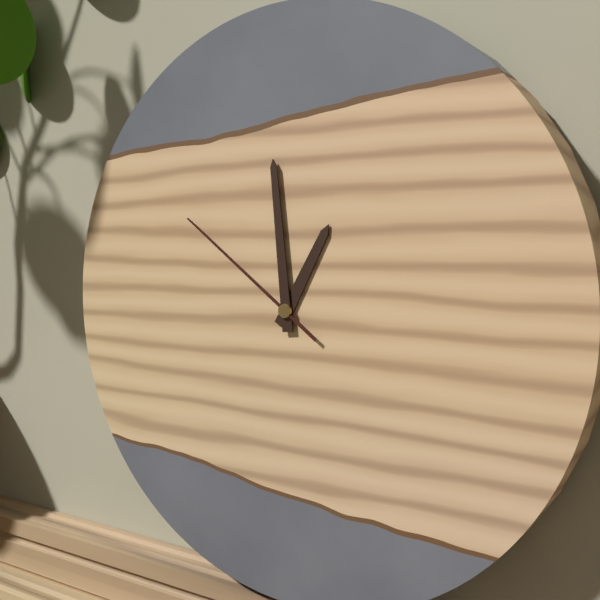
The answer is 12:59:51
